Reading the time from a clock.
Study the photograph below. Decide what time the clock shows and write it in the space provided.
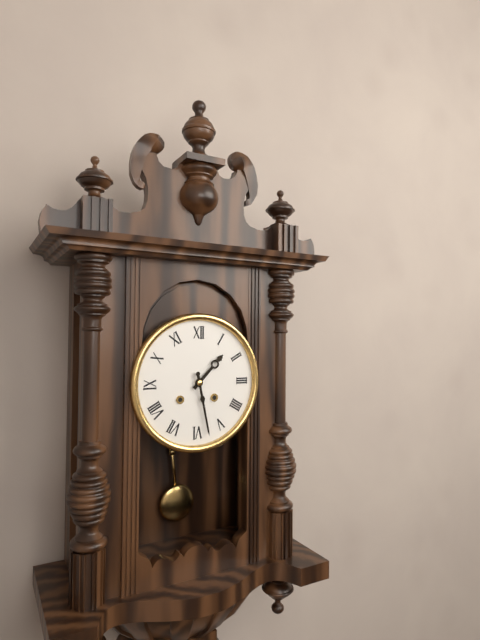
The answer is 1:28
